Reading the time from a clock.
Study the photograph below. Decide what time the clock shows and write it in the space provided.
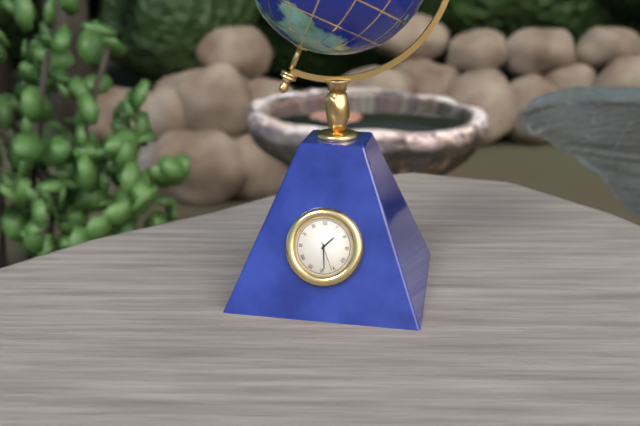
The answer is 1:29
